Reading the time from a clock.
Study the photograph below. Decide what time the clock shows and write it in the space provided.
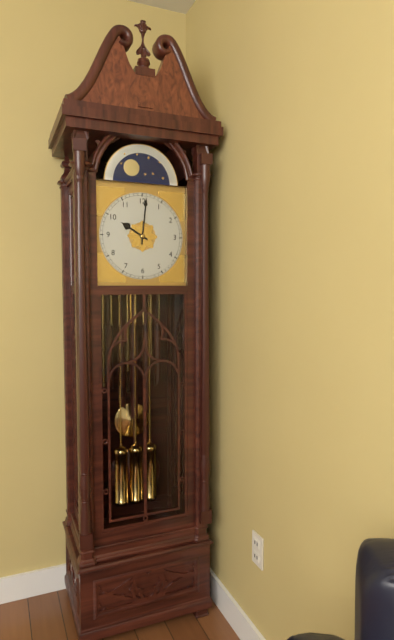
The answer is 10:01
